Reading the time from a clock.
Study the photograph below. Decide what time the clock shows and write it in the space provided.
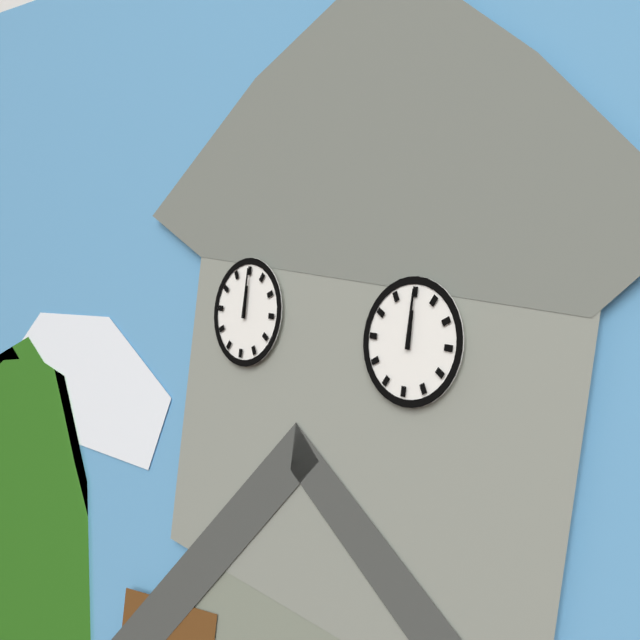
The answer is 12:00
